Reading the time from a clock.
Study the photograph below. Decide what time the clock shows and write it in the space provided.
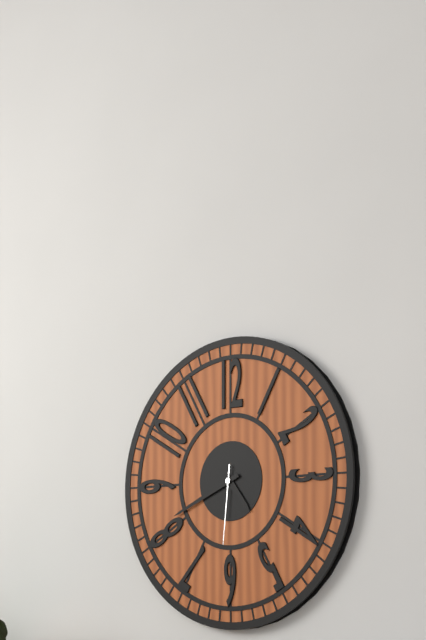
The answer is 4:41:31
